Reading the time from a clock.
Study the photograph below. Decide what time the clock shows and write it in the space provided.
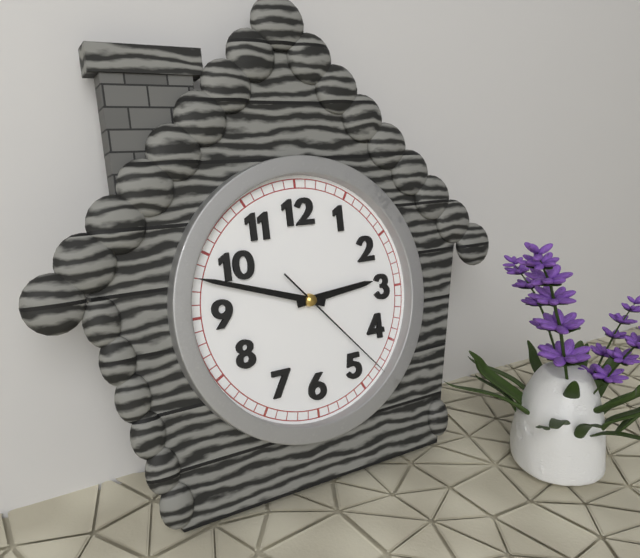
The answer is 2:48:23
